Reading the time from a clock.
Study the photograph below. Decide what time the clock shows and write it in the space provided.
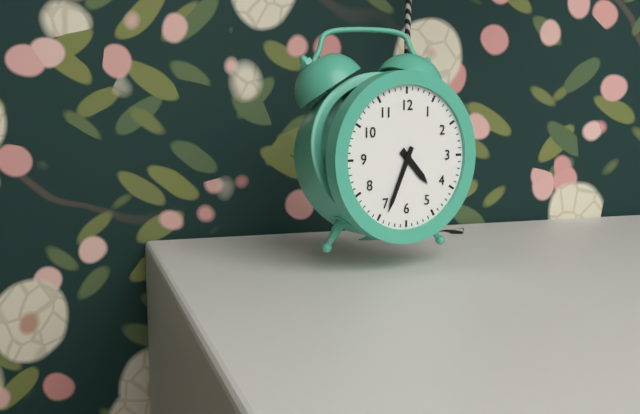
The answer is 4:34
